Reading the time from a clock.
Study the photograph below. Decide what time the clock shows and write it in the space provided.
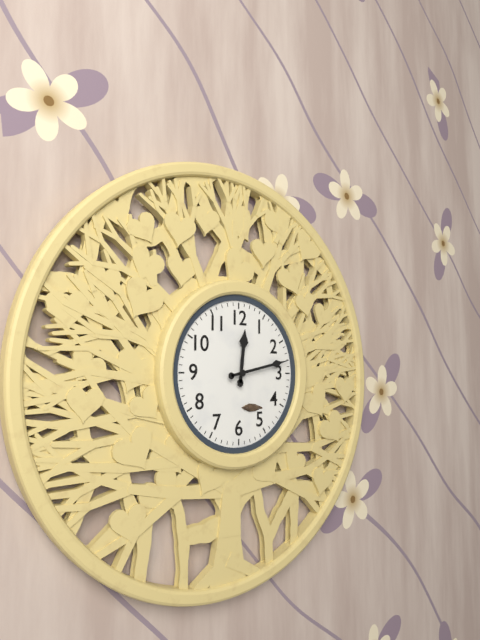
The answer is 12:13
